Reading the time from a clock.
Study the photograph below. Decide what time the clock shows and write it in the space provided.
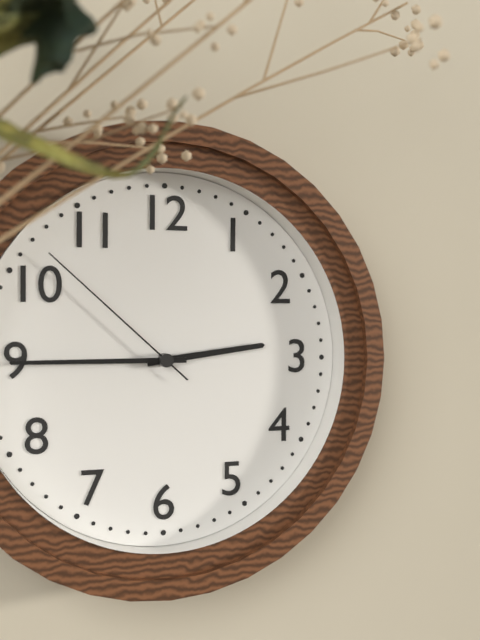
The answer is 2:45:52
